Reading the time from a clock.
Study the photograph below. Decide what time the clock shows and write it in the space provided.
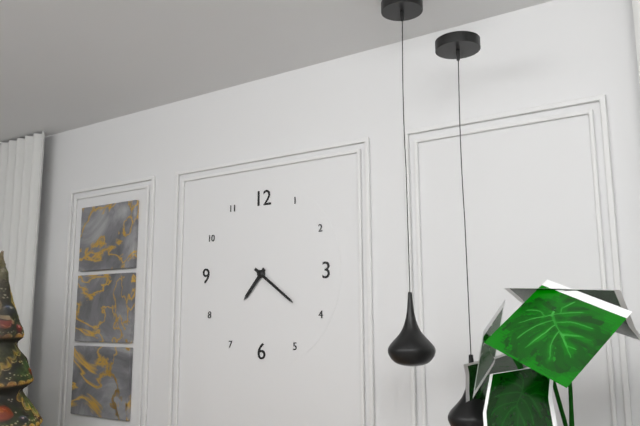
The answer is 7:21
